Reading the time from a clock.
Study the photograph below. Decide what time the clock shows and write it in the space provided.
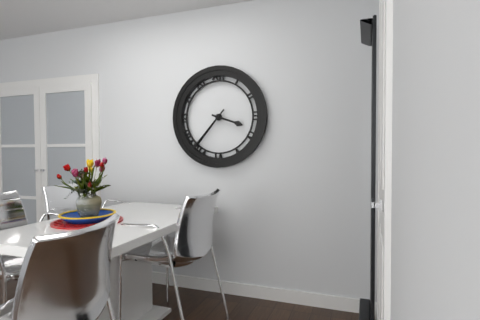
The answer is 3:37
